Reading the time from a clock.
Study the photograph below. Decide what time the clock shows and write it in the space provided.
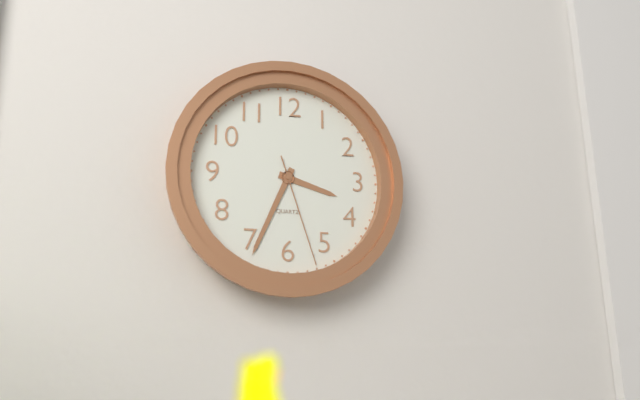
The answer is 3:34:27
